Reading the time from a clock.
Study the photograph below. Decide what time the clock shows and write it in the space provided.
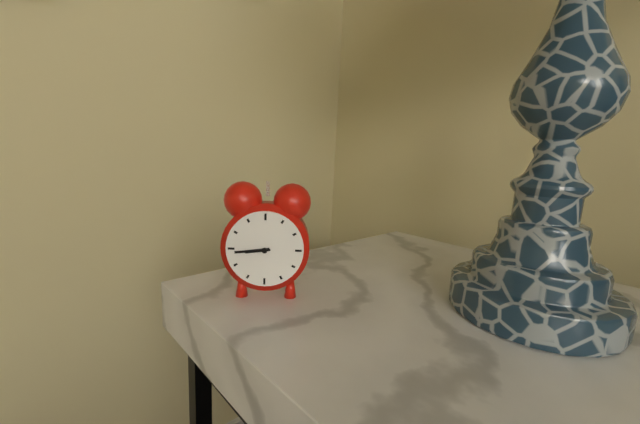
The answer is 8:44
